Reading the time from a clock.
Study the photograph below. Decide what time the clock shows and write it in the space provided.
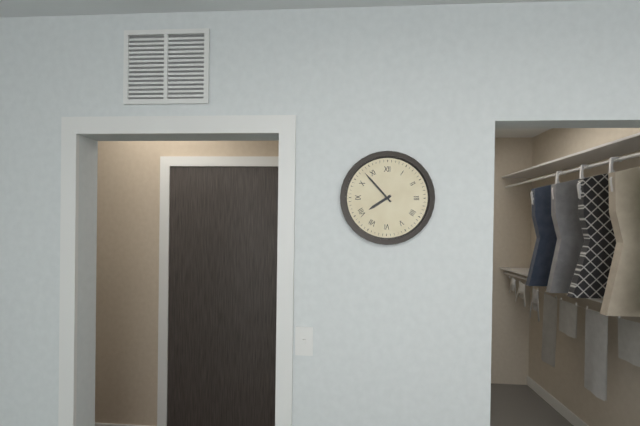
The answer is 7:53
